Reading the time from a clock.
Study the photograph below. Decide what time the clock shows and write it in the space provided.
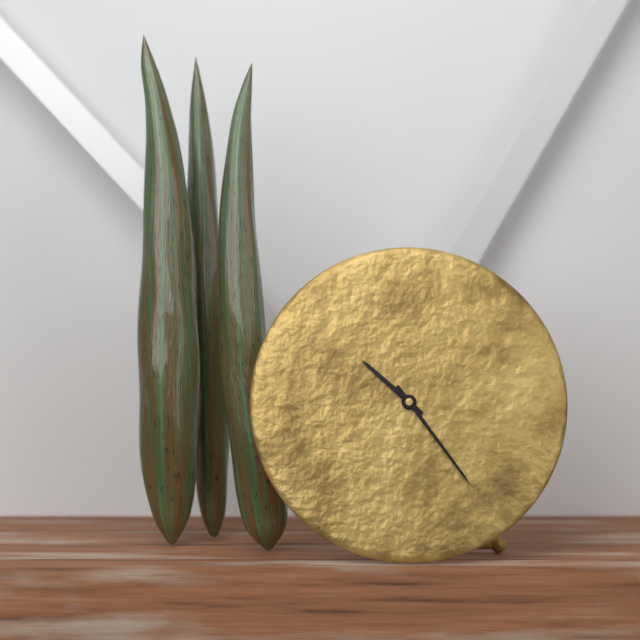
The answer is 10:24
